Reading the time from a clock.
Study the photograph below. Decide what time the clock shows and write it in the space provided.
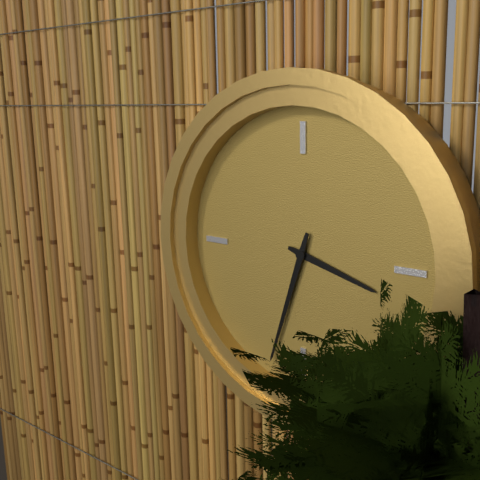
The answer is 3:33
